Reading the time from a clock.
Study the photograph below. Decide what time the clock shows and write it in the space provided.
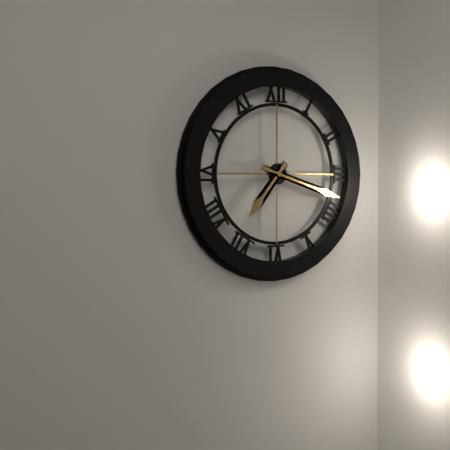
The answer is 7:18
